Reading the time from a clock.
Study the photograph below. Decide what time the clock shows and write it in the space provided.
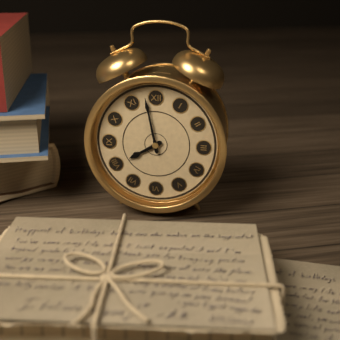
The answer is 7:58
